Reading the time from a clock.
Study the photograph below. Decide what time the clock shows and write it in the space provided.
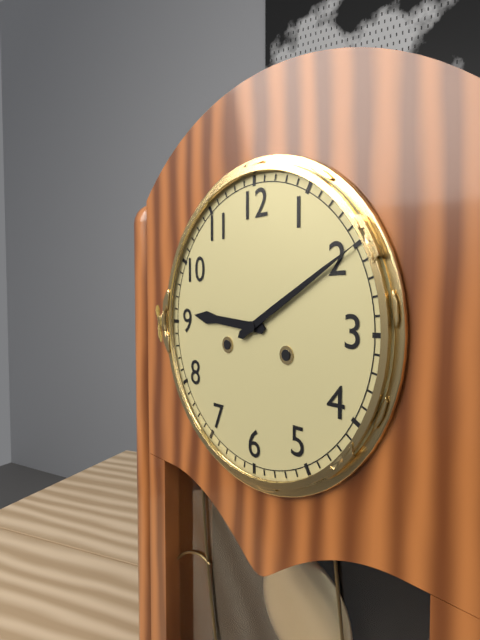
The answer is 9:10
